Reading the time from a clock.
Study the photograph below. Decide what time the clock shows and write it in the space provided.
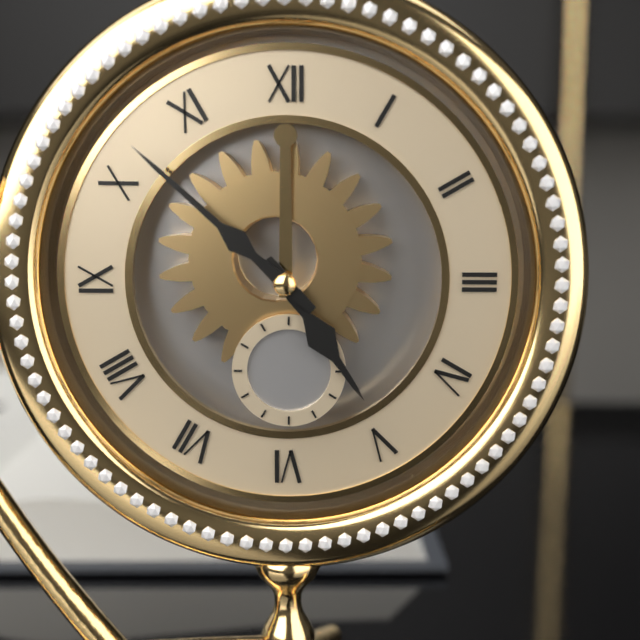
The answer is 4:52
